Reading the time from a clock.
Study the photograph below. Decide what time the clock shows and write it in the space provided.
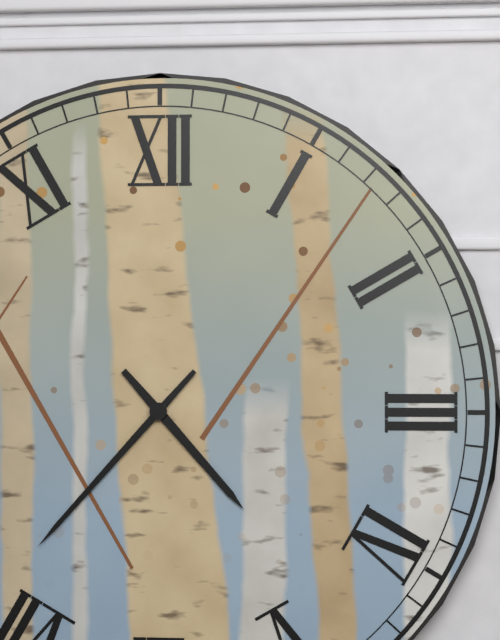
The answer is 4:37
